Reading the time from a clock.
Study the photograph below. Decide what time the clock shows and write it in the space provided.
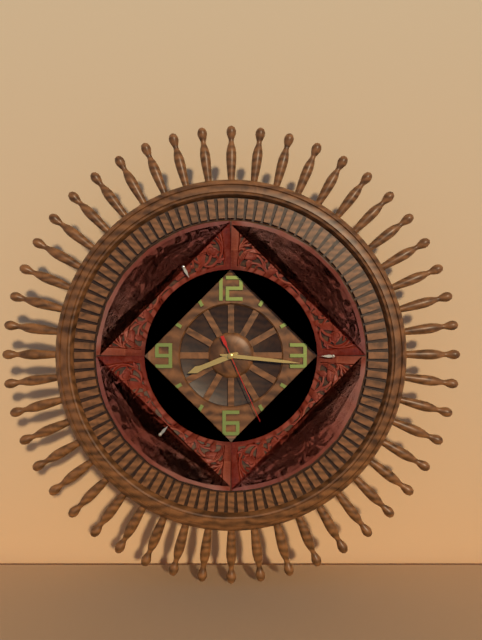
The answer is 8:16:26
